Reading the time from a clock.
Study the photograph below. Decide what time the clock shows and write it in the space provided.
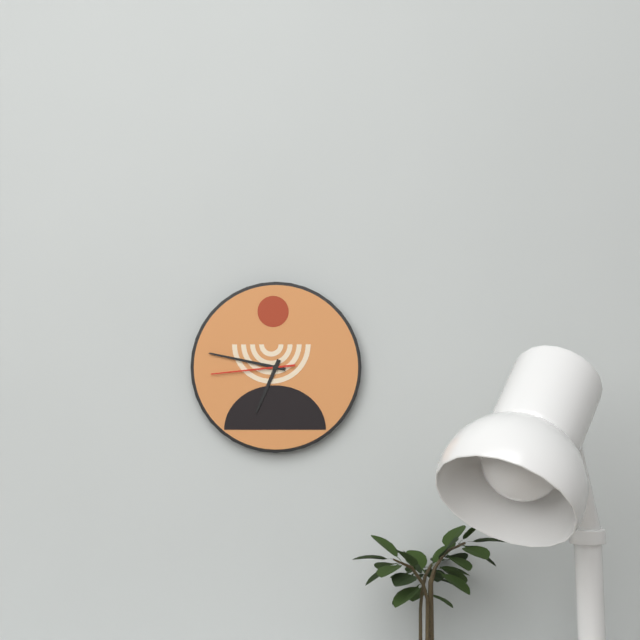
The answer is 6:47:44
